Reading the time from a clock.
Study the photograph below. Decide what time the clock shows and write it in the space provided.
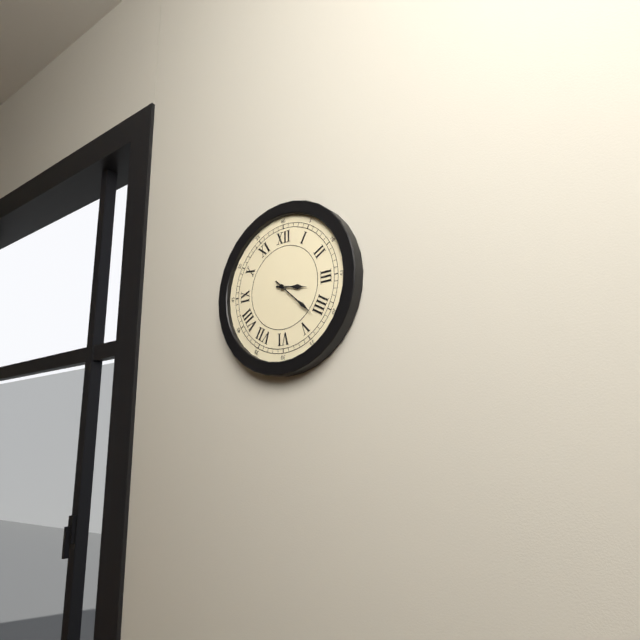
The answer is 3:22
